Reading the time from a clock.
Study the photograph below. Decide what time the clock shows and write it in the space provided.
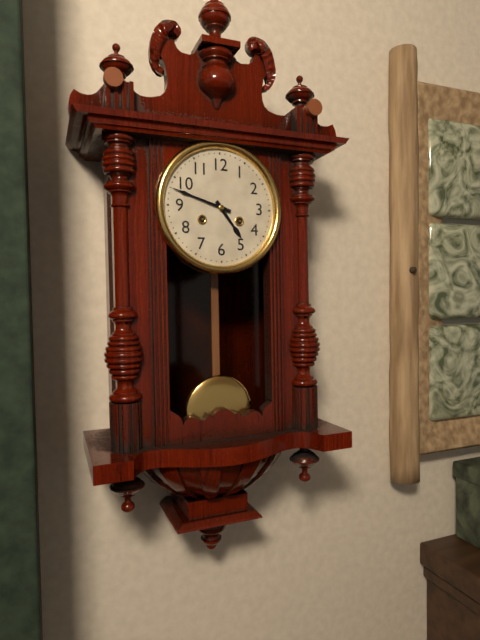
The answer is 4:48
